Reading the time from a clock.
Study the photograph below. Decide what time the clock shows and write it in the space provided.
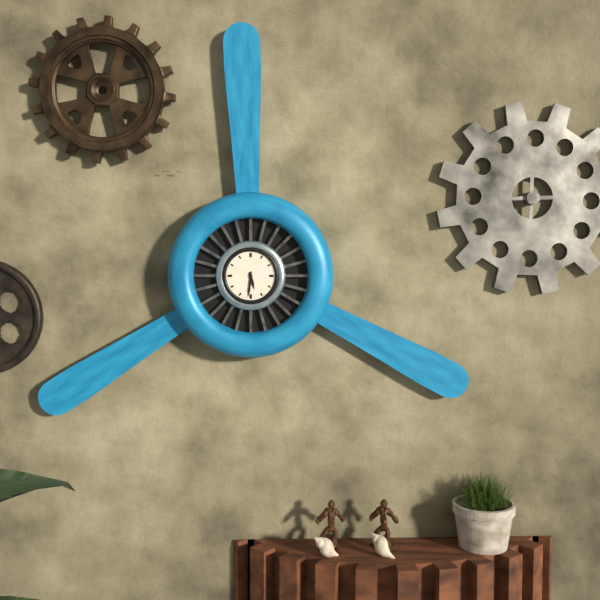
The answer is 5:31
